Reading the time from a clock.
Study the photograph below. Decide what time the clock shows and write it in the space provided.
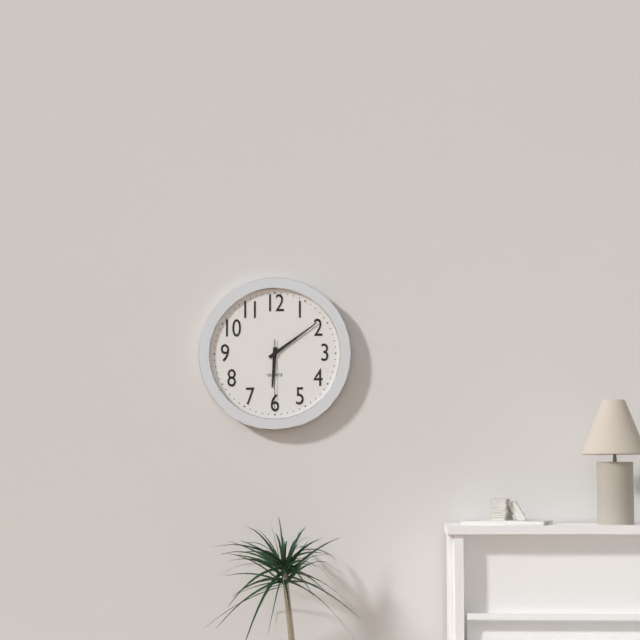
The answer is 6:09:30
